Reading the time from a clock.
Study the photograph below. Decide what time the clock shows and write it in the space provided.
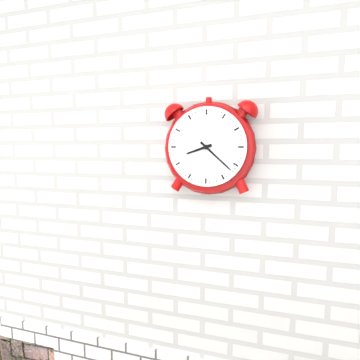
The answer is 8:22
